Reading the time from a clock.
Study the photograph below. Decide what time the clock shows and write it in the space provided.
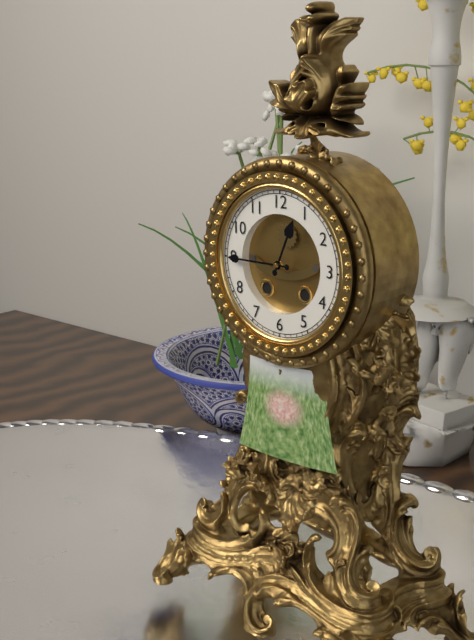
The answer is 12:45
